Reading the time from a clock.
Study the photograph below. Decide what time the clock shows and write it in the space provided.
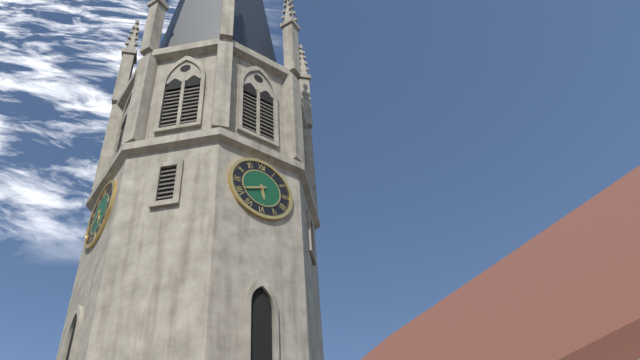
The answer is 5:41
